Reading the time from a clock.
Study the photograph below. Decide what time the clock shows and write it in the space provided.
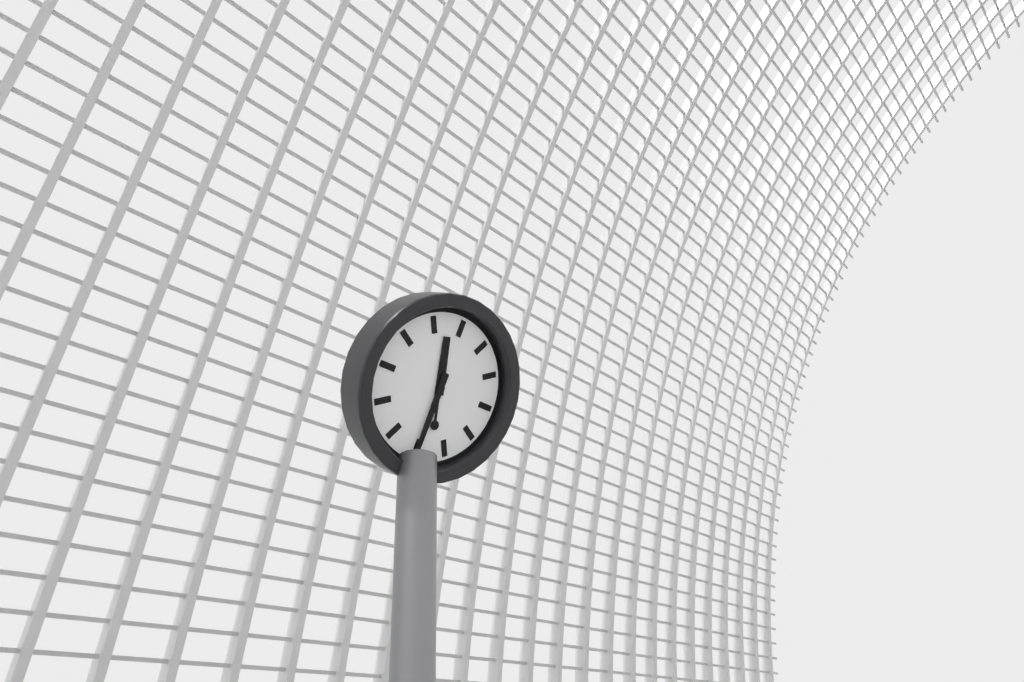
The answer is 11:30
